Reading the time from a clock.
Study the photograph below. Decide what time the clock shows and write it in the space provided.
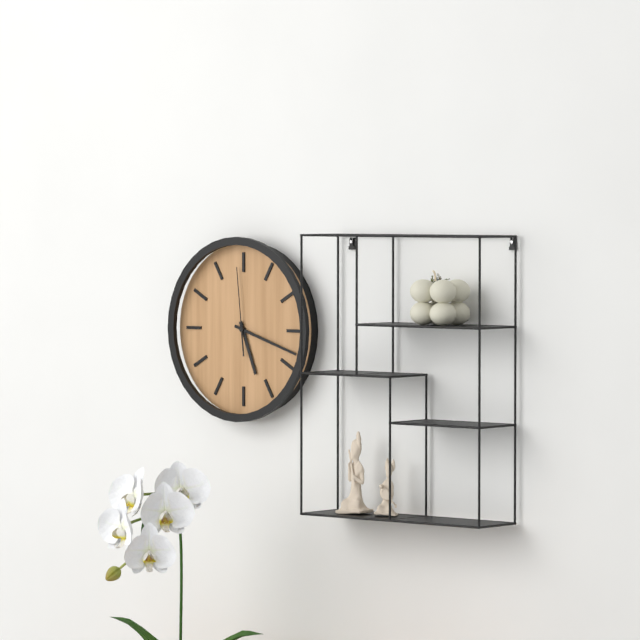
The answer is 5:18:59
